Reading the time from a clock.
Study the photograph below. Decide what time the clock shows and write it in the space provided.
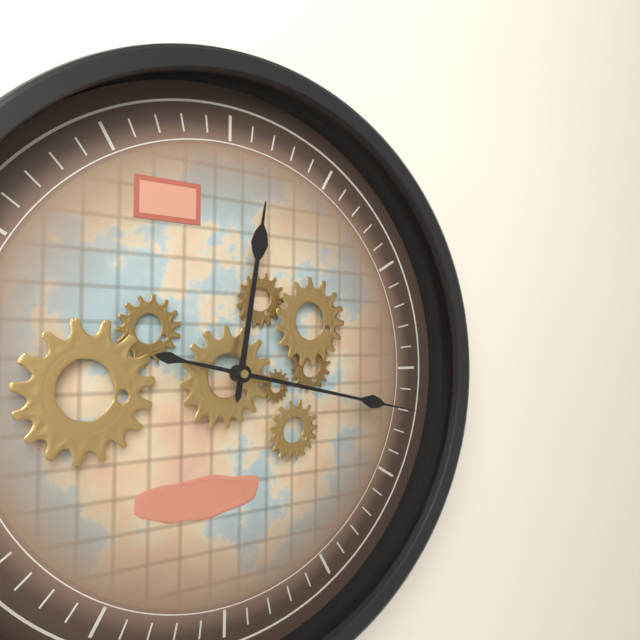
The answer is 12:17
